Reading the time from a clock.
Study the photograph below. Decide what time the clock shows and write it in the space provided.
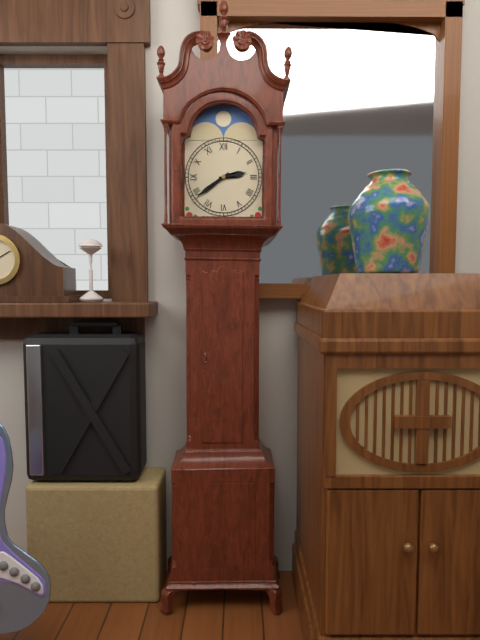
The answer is 2:39
